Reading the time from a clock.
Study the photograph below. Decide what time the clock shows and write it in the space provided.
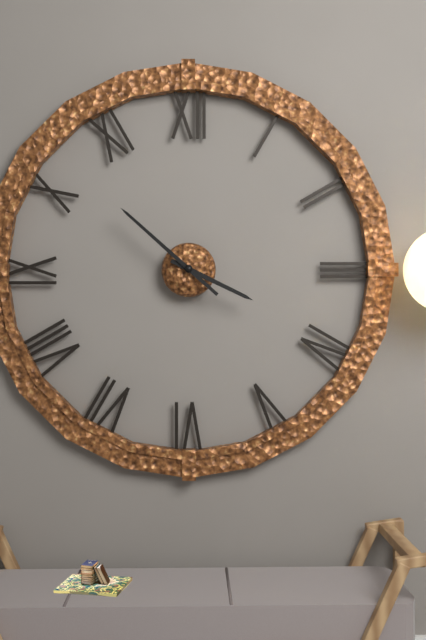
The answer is 3:52
